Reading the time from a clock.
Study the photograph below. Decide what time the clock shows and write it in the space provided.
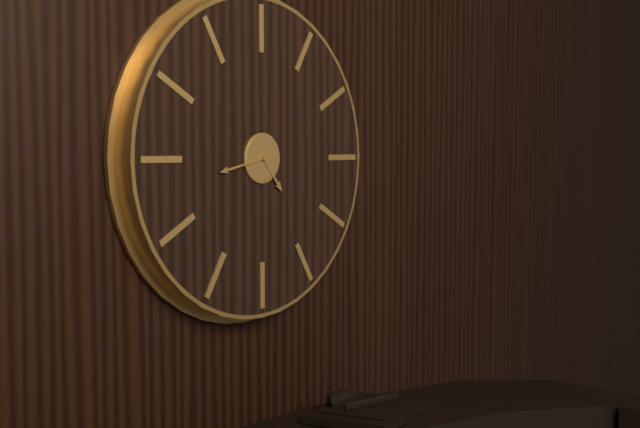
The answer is 4:43
